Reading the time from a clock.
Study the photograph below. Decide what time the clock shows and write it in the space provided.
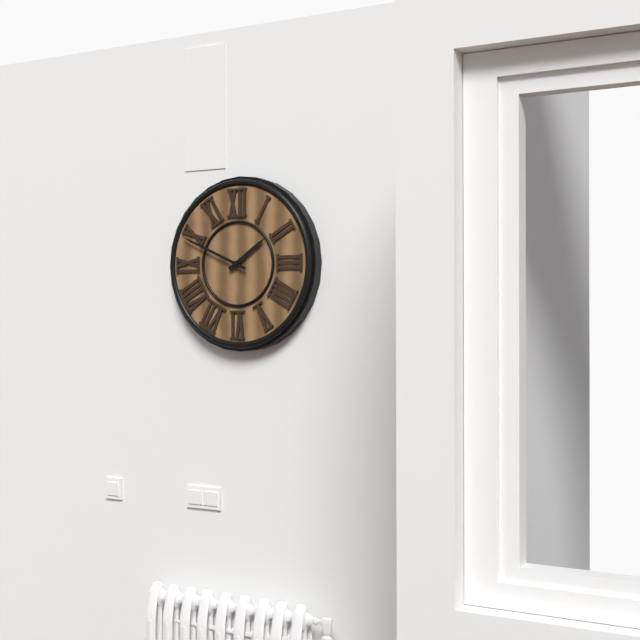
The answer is 1:49
